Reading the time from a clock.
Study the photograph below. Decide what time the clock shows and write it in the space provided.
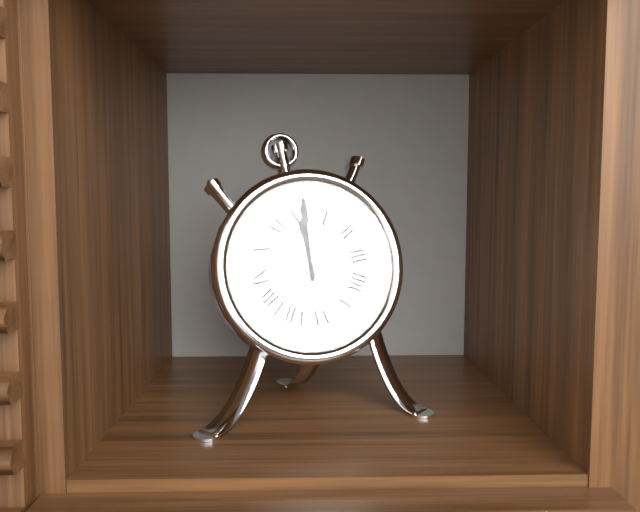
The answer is 12:01
